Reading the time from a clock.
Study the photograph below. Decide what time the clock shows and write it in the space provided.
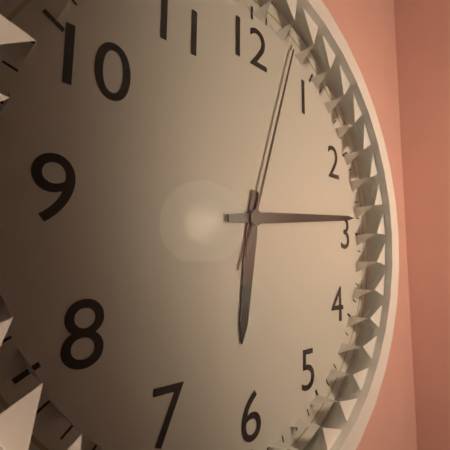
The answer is 6:14:03
